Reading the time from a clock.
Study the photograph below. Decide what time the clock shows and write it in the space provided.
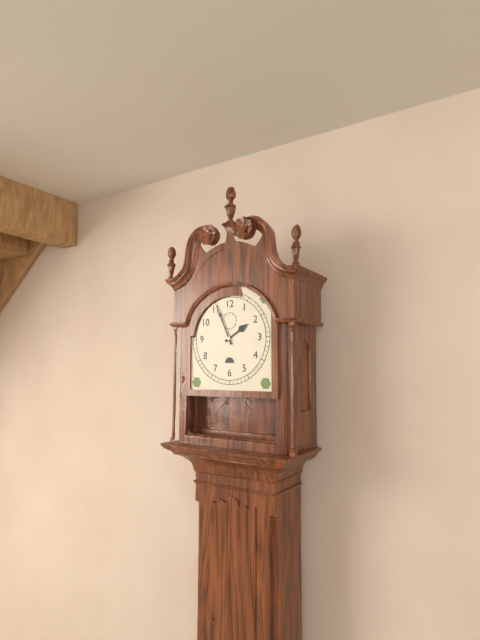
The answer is 1:56
